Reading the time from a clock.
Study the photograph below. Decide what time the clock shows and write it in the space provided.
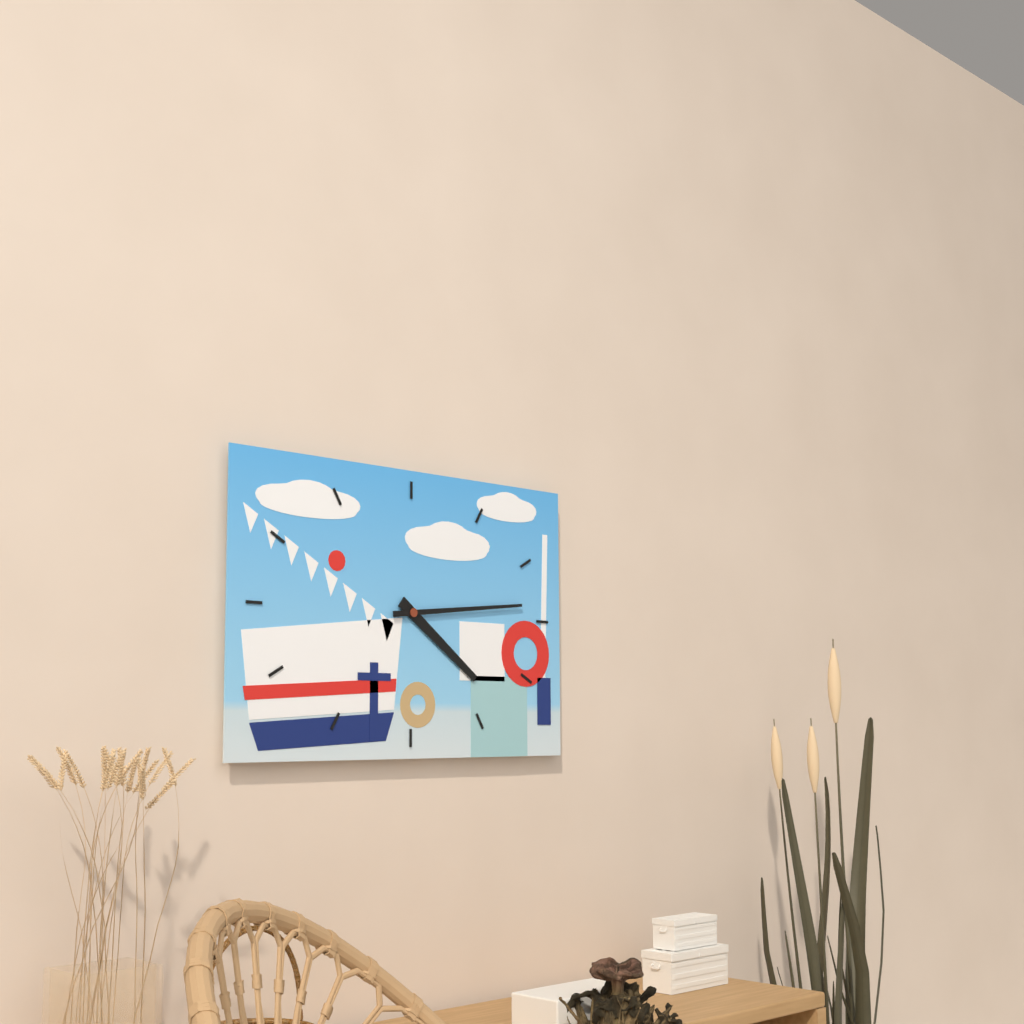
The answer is 4:14
